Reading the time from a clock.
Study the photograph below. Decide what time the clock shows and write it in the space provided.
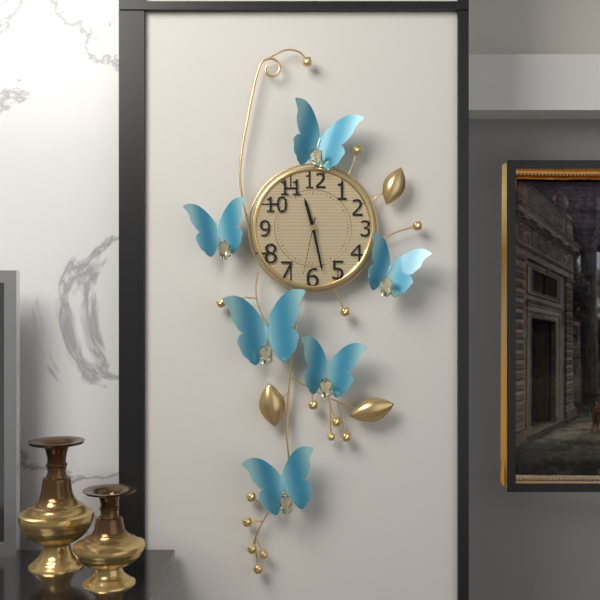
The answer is 11:28:32
